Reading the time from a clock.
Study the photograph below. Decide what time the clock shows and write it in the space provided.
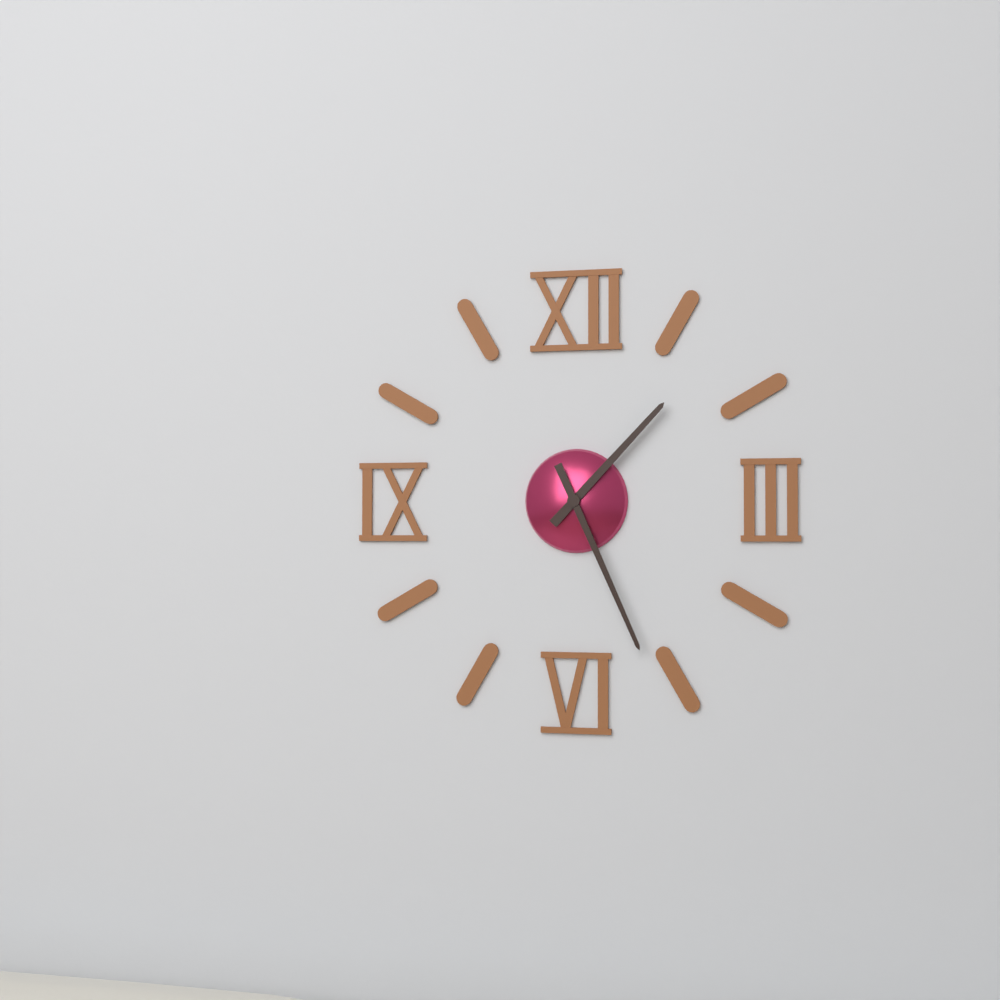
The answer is 1:26
